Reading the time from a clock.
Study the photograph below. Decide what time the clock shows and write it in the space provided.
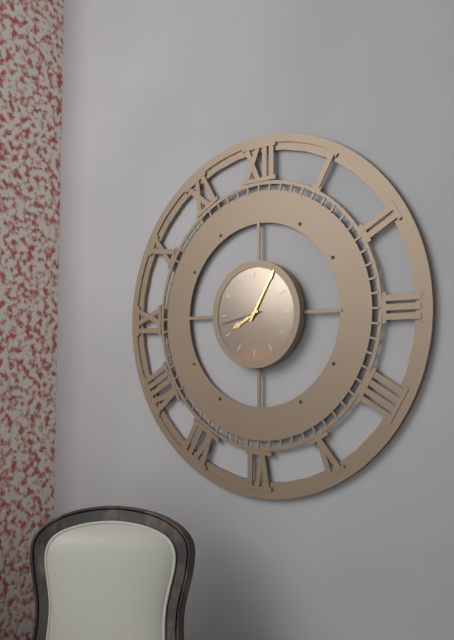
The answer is 8:05
